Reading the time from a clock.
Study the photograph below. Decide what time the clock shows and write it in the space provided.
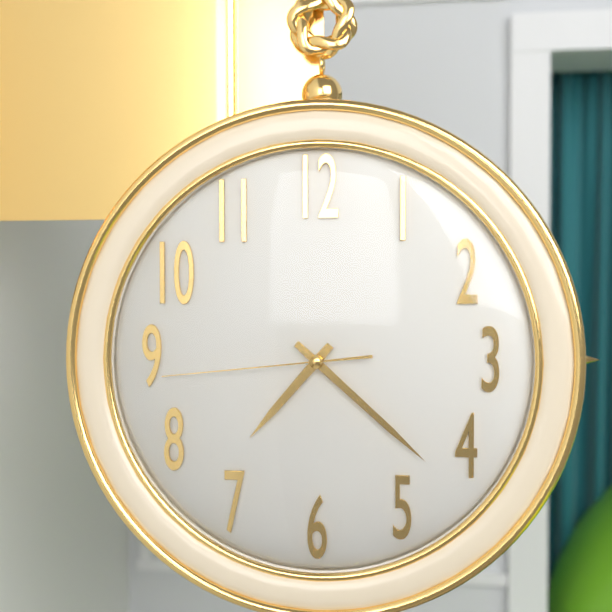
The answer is 7:22:44
